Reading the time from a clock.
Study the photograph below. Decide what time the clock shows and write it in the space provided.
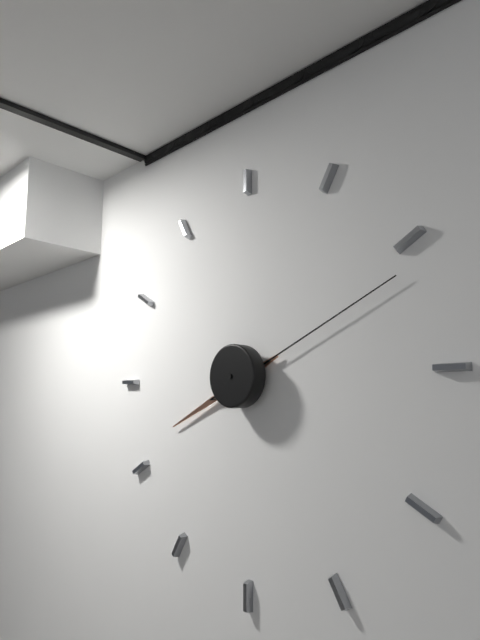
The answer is 8:11
